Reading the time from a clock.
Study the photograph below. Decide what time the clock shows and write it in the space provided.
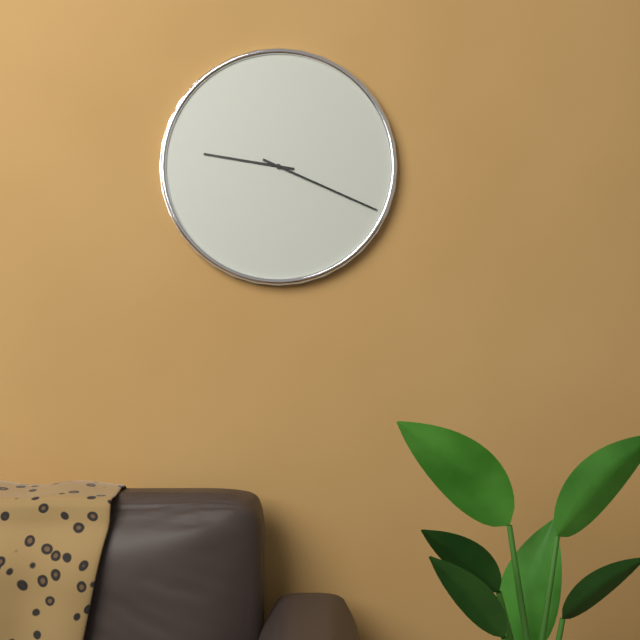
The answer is 9:19
